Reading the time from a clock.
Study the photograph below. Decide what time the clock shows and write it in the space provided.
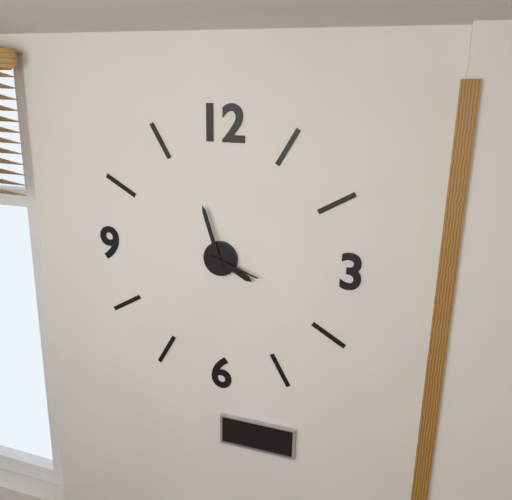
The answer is 3:57:18
